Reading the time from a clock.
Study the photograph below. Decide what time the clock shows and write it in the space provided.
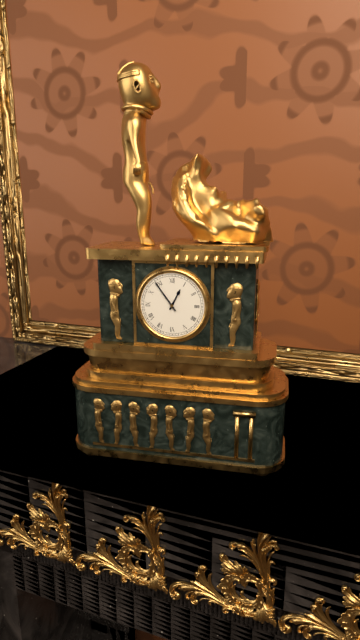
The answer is 12:54
